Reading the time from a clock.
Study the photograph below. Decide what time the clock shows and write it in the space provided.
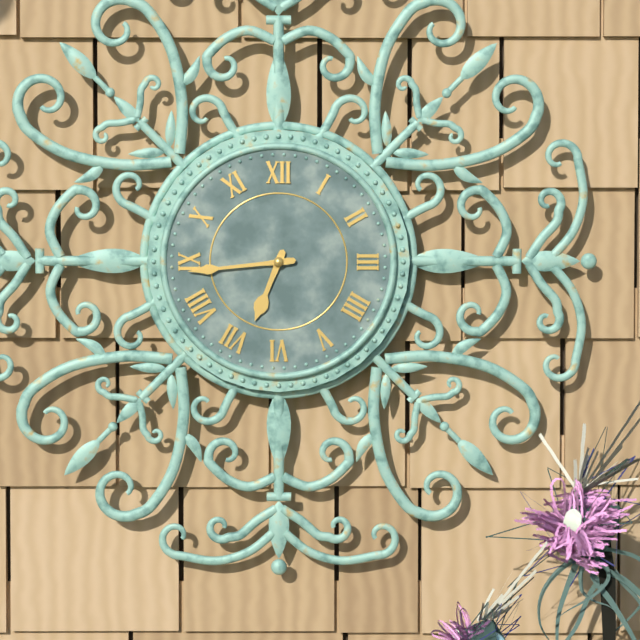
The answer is 6:44
